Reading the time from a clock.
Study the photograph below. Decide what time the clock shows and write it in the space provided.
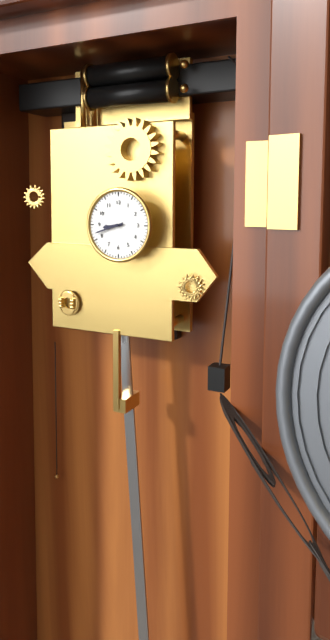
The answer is 8:42
